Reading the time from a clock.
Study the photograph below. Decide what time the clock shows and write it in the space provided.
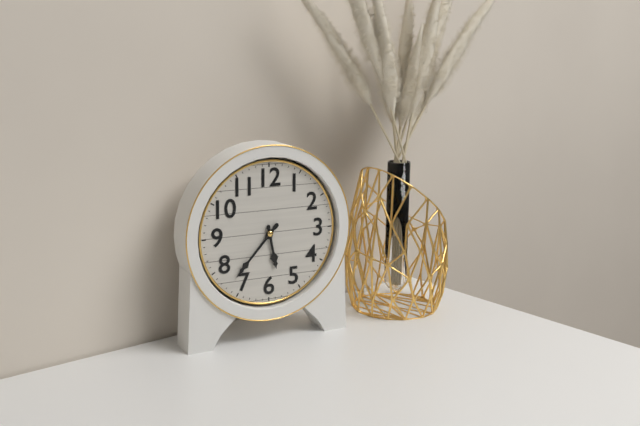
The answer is 5:37
